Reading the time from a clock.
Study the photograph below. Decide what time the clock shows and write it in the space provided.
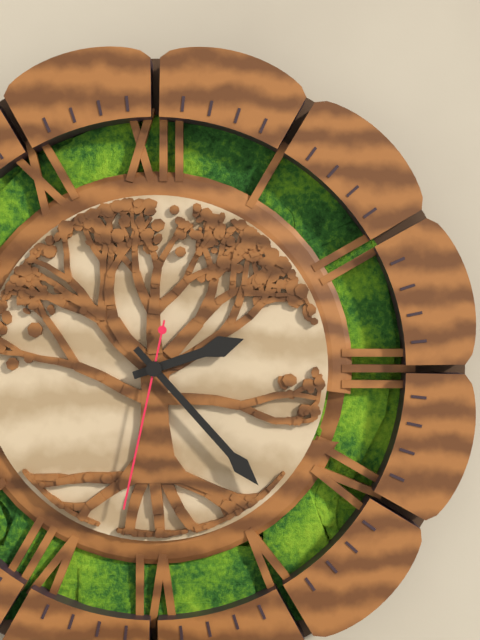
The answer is 2:23:32
